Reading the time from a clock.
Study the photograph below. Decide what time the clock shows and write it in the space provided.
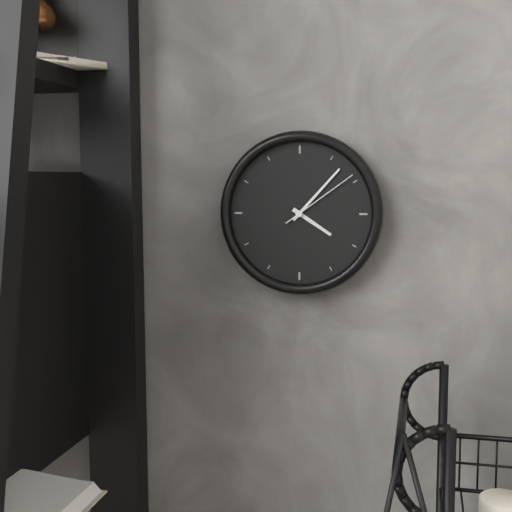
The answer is 4:07:09
